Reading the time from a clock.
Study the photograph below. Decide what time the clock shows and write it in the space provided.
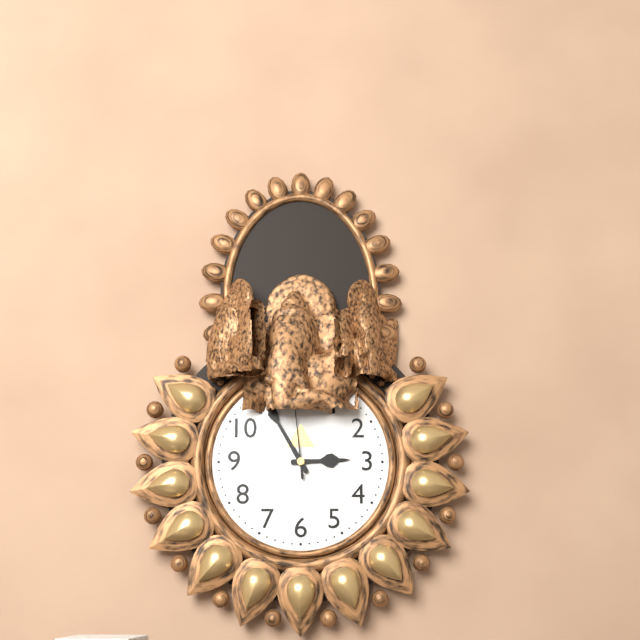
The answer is 2:55
